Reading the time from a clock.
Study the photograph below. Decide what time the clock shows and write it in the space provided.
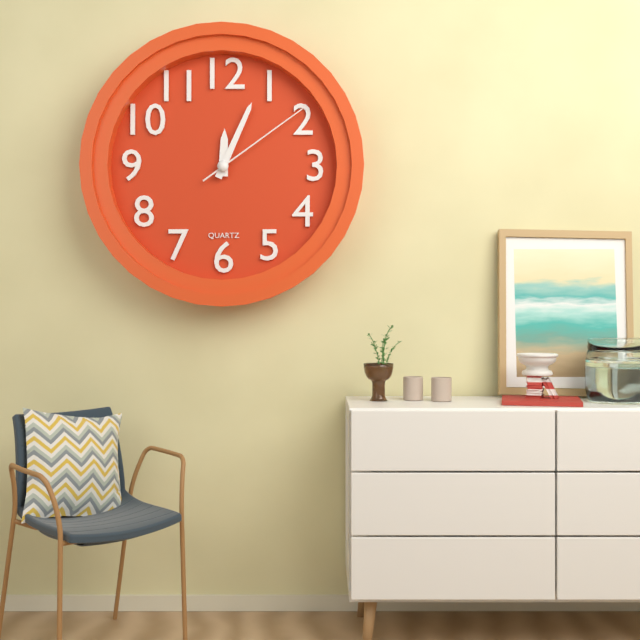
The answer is 12:04:09
